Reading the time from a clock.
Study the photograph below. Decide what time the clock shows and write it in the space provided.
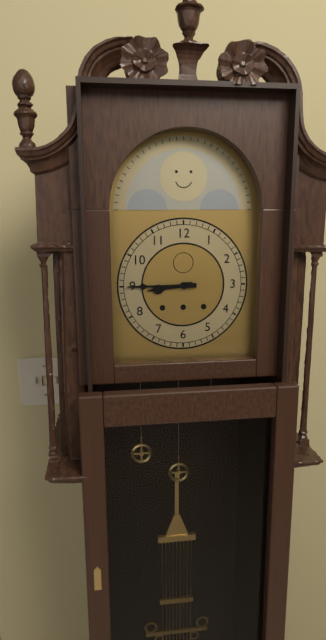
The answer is 8:45
